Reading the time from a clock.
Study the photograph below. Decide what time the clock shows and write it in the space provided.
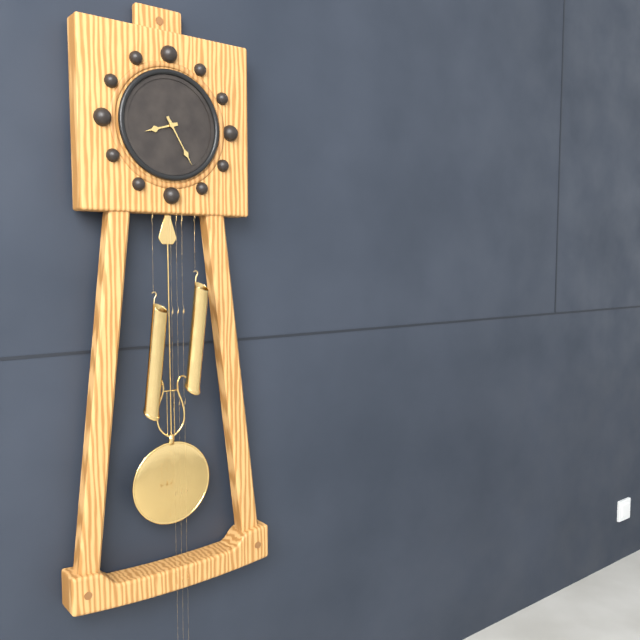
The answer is 8:25
